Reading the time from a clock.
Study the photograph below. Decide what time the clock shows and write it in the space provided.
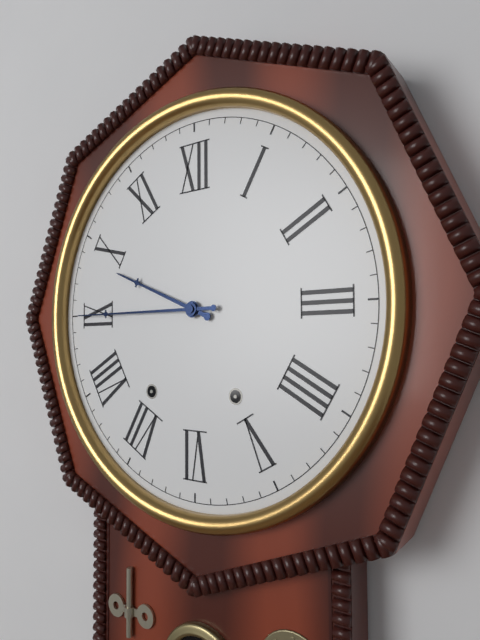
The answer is 9:45
